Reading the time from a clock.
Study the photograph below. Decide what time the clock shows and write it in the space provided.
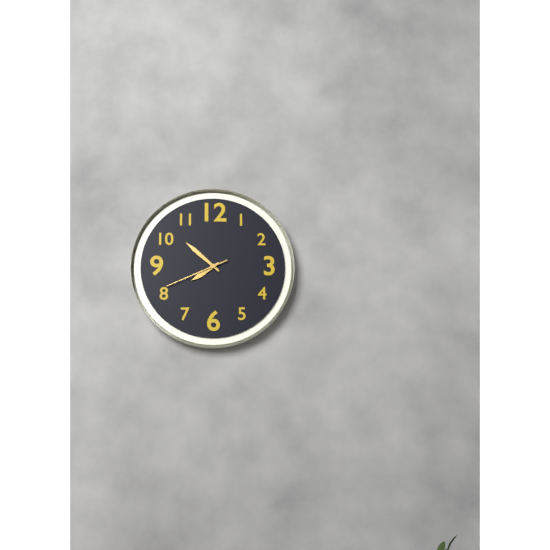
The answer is 7:52:41
